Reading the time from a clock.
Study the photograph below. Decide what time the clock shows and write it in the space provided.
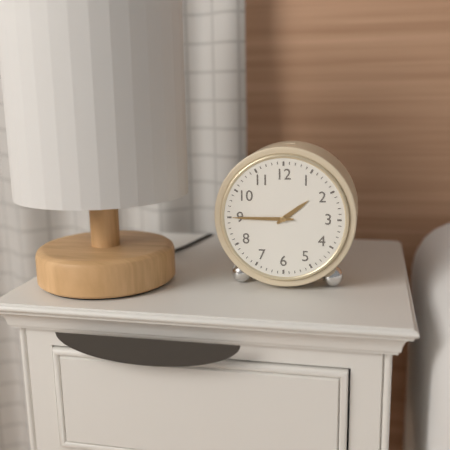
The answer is 1:45
